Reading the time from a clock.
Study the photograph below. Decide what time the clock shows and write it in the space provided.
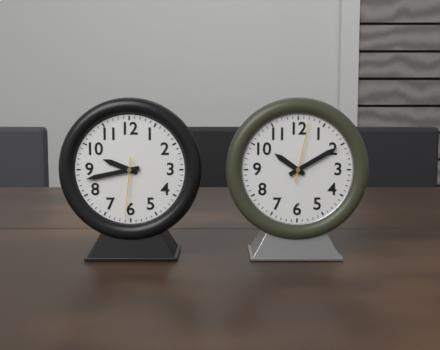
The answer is 9:43:31
